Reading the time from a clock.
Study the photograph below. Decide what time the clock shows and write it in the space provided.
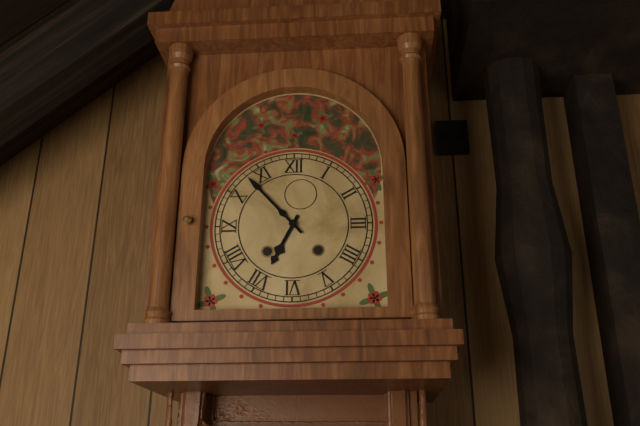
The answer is 6:53
